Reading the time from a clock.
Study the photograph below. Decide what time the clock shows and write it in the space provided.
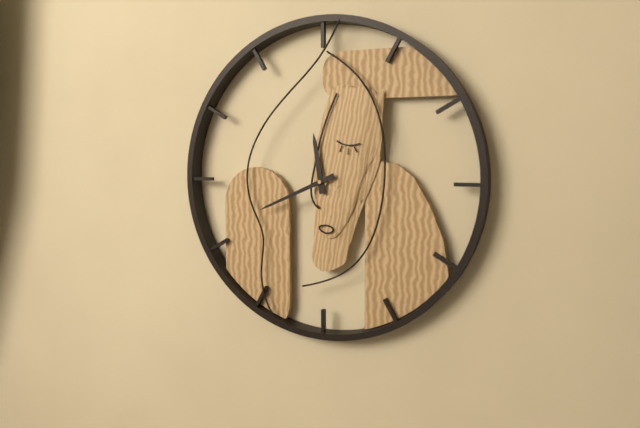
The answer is 11:41
